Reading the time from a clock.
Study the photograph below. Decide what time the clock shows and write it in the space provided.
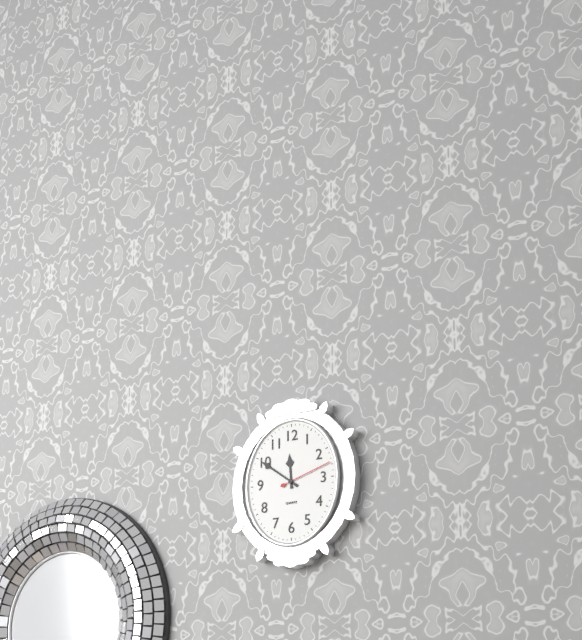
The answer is 11:51:12
